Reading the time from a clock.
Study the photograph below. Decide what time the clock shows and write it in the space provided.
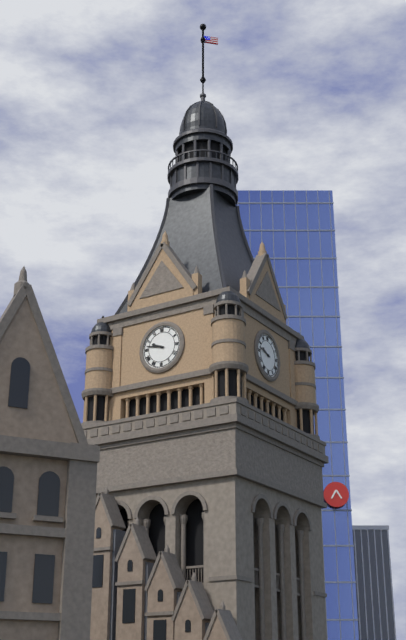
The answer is 9:47
